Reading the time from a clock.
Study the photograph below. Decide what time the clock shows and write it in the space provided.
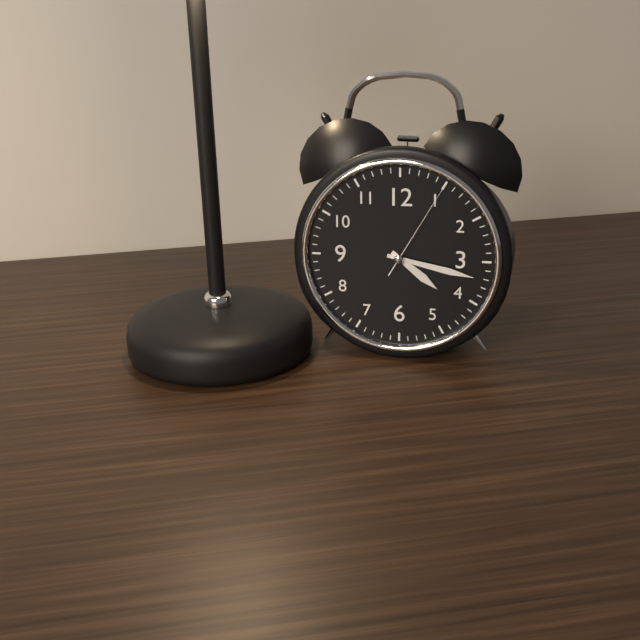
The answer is 4:17:05
